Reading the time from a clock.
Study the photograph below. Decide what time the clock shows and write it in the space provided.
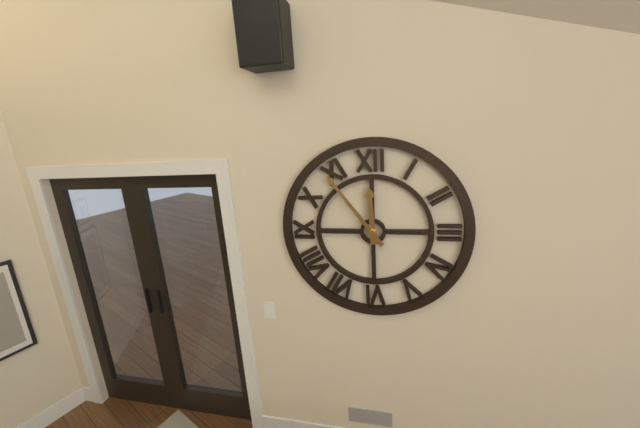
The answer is 11:54
